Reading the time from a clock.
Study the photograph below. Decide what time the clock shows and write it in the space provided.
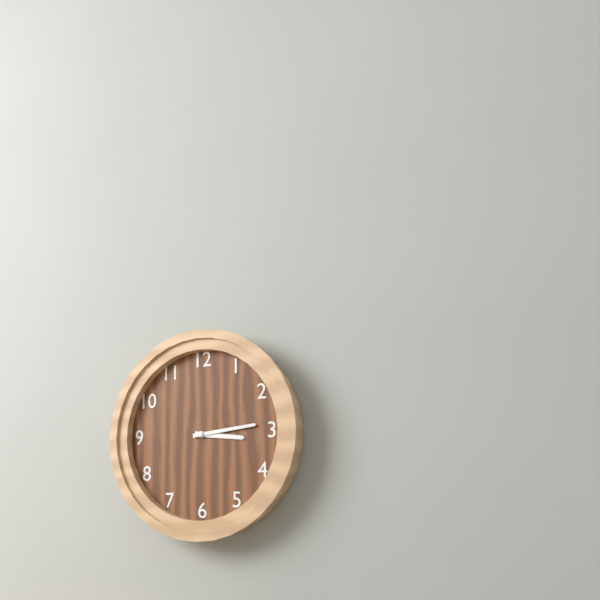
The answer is 3:14
